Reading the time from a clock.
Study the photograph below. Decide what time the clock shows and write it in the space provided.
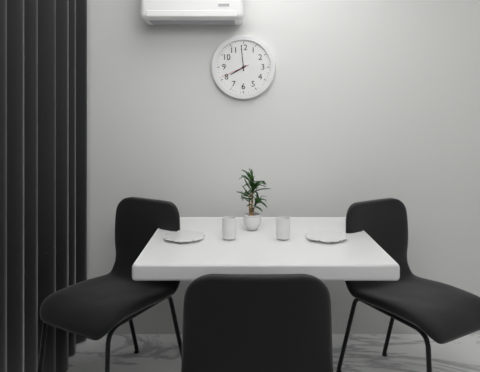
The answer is 7:59
